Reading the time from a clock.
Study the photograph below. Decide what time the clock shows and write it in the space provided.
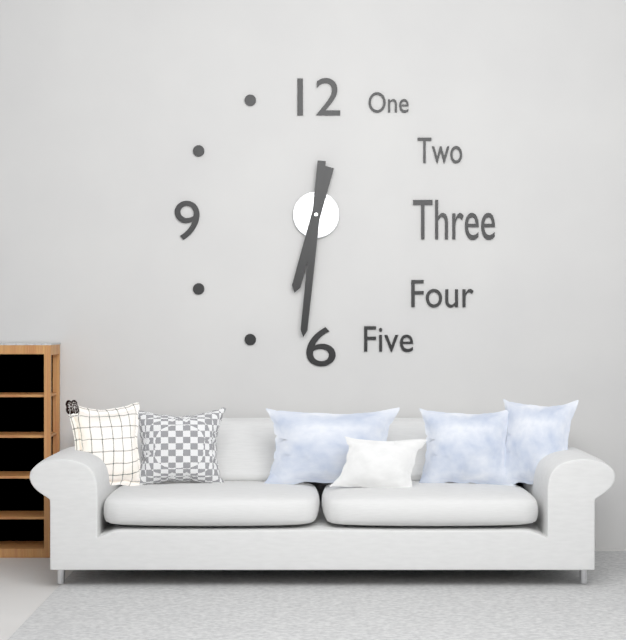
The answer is 6:31
